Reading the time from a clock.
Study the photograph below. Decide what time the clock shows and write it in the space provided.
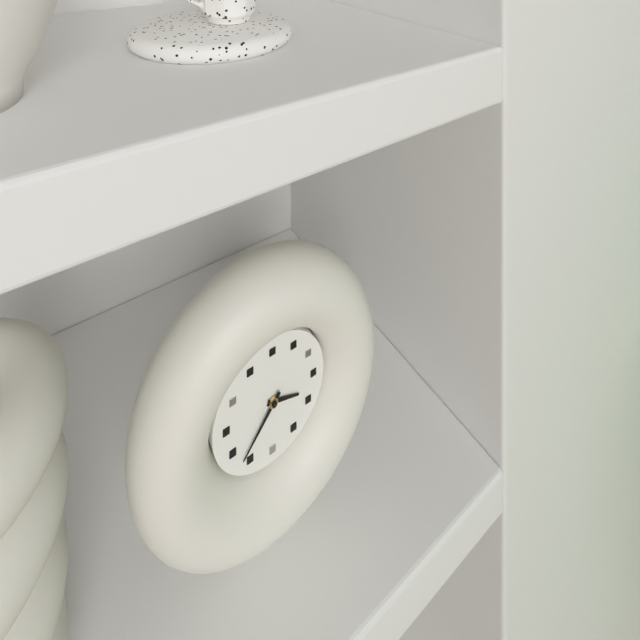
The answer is 3:37
